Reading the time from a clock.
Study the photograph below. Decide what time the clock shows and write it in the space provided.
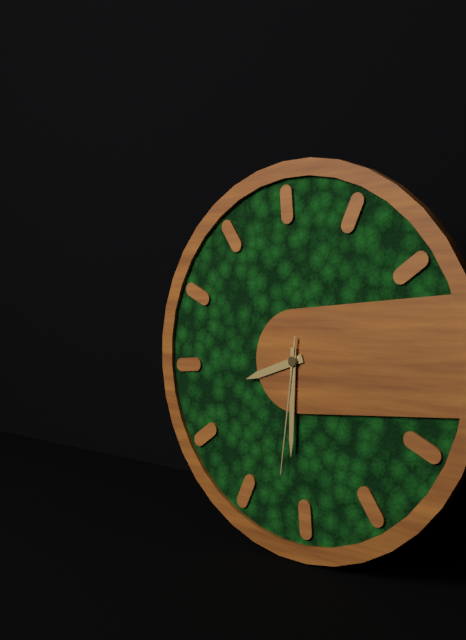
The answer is 8:31:32
